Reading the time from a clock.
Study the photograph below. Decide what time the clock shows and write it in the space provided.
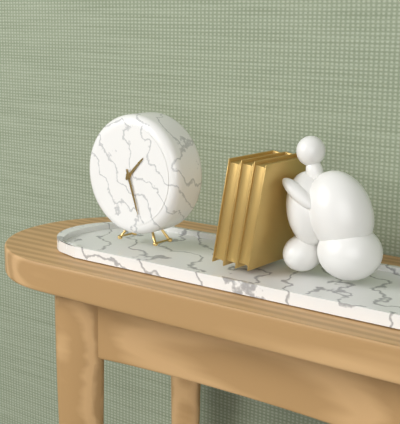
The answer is 1:27
